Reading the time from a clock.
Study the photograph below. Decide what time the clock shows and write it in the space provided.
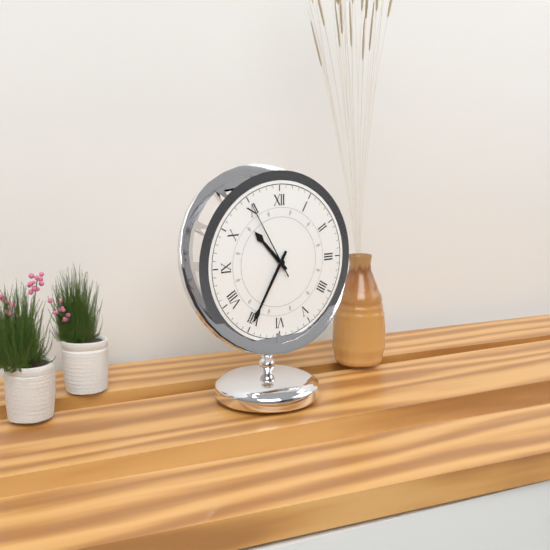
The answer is 10:35:55
